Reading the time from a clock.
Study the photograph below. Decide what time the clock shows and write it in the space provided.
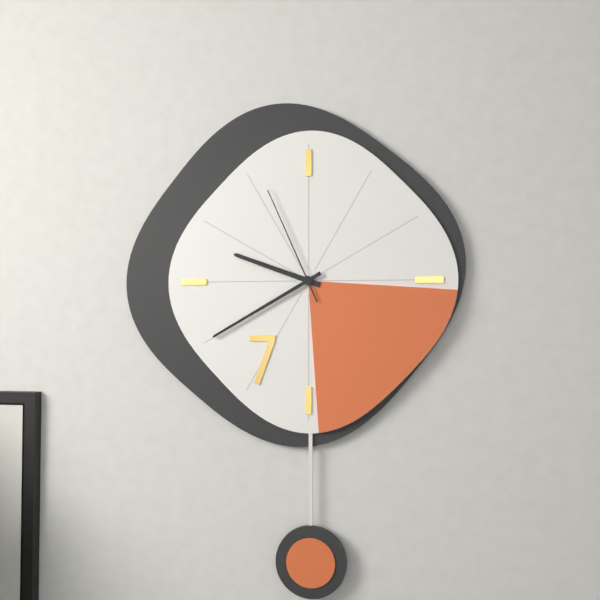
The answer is 9:40:56
